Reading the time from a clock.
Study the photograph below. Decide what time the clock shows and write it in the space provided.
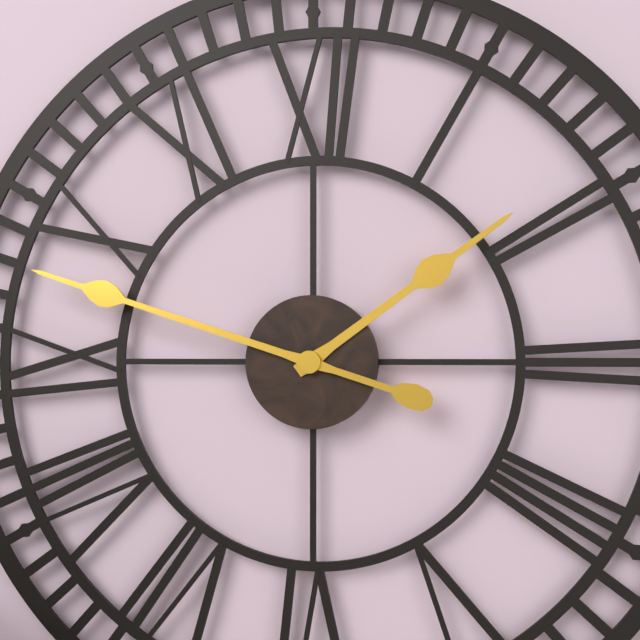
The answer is 1:48
